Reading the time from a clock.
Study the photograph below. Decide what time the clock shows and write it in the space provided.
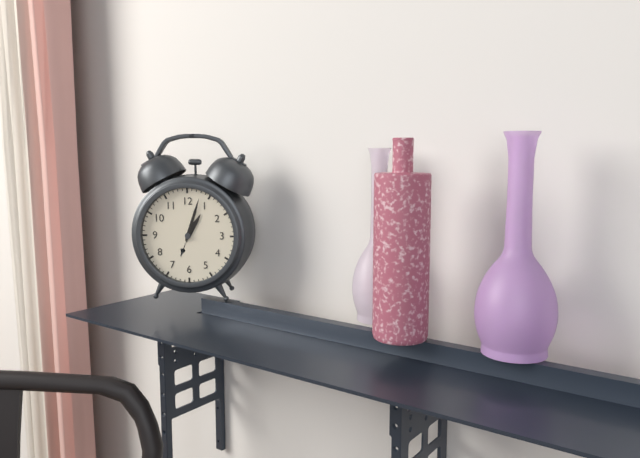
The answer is 1:03
